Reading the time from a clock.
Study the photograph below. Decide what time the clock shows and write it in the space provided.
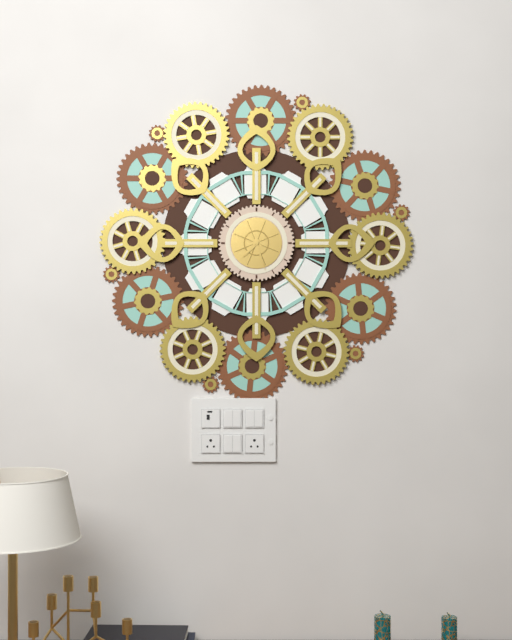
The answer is 7:27
